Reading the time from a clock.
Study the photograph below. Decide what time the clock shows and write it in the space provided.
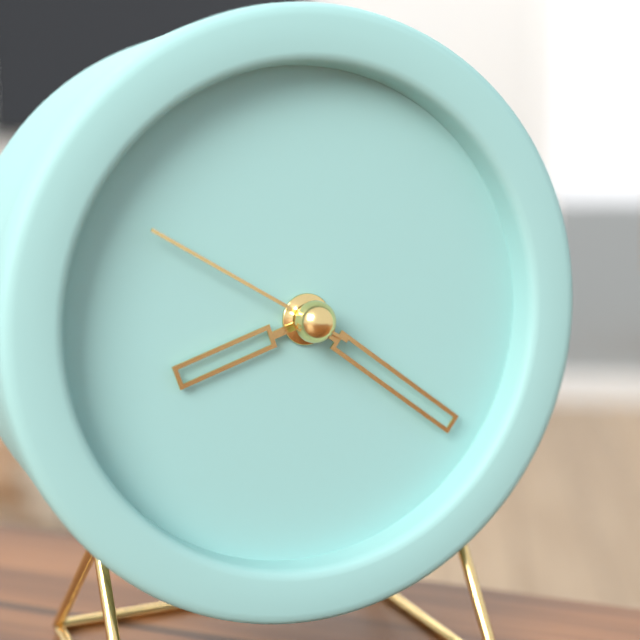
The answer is 8:21:50
